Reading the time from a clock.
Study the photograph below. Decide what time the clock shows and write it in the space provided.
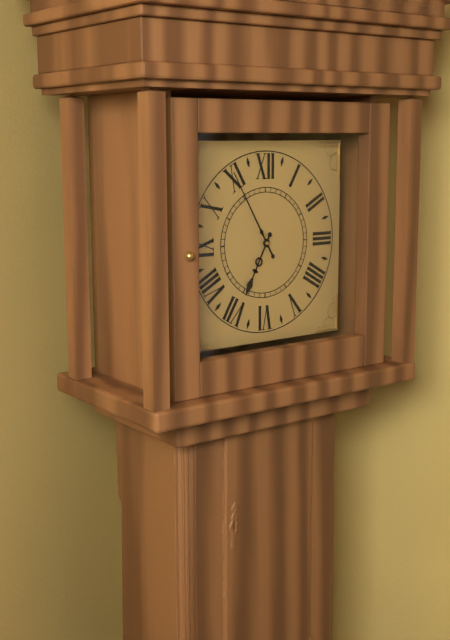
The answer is 6:55
